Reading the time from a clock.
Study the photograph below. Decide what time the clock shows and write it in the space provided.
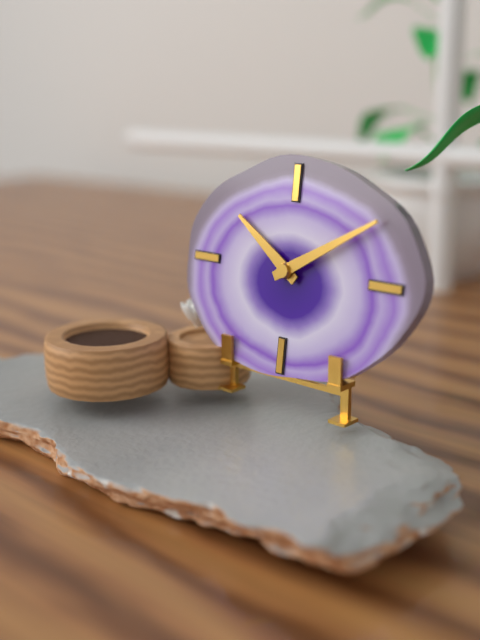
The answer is 10:10
